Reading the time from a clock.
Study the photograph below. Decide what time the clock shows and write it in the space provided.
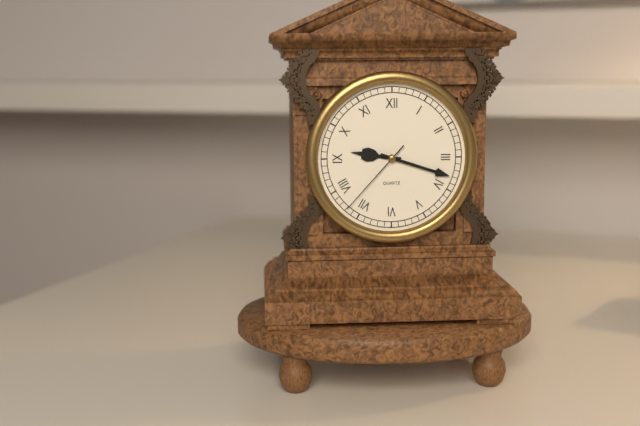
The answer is 9:18:37
